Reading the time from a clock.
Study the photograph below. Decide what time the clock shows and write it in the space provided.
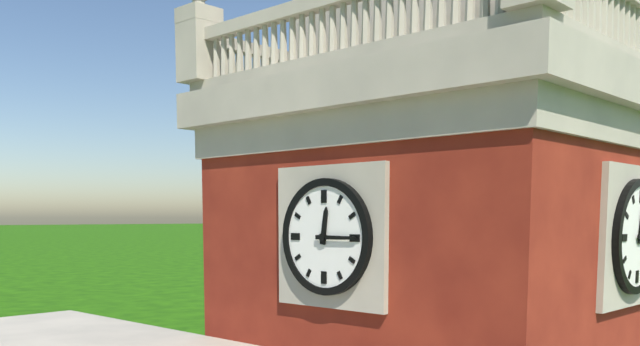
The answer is 12:15
